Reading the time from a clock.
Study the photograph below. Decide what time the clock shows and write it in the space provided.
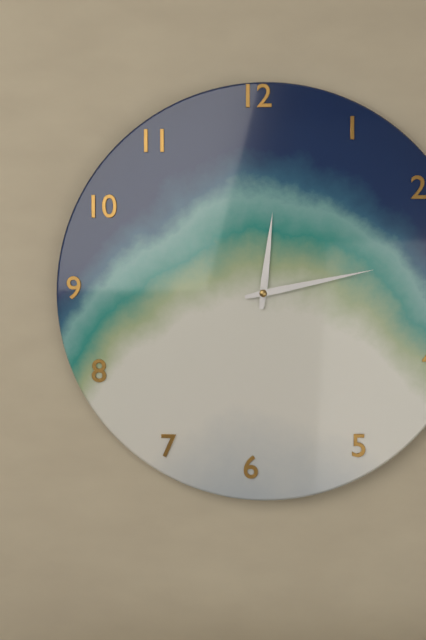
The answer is 12:13
